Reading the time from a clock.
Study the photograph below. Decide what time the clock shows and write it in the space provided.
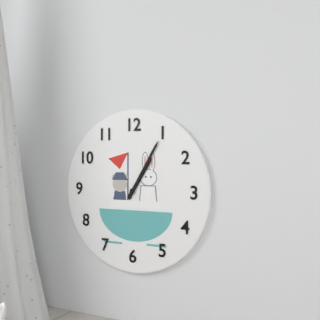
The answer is 1:05
